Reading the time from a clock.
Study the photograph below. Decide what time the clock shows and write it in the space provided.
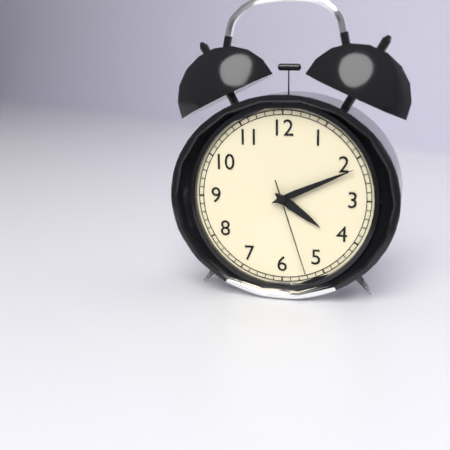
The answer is 4:11:27
